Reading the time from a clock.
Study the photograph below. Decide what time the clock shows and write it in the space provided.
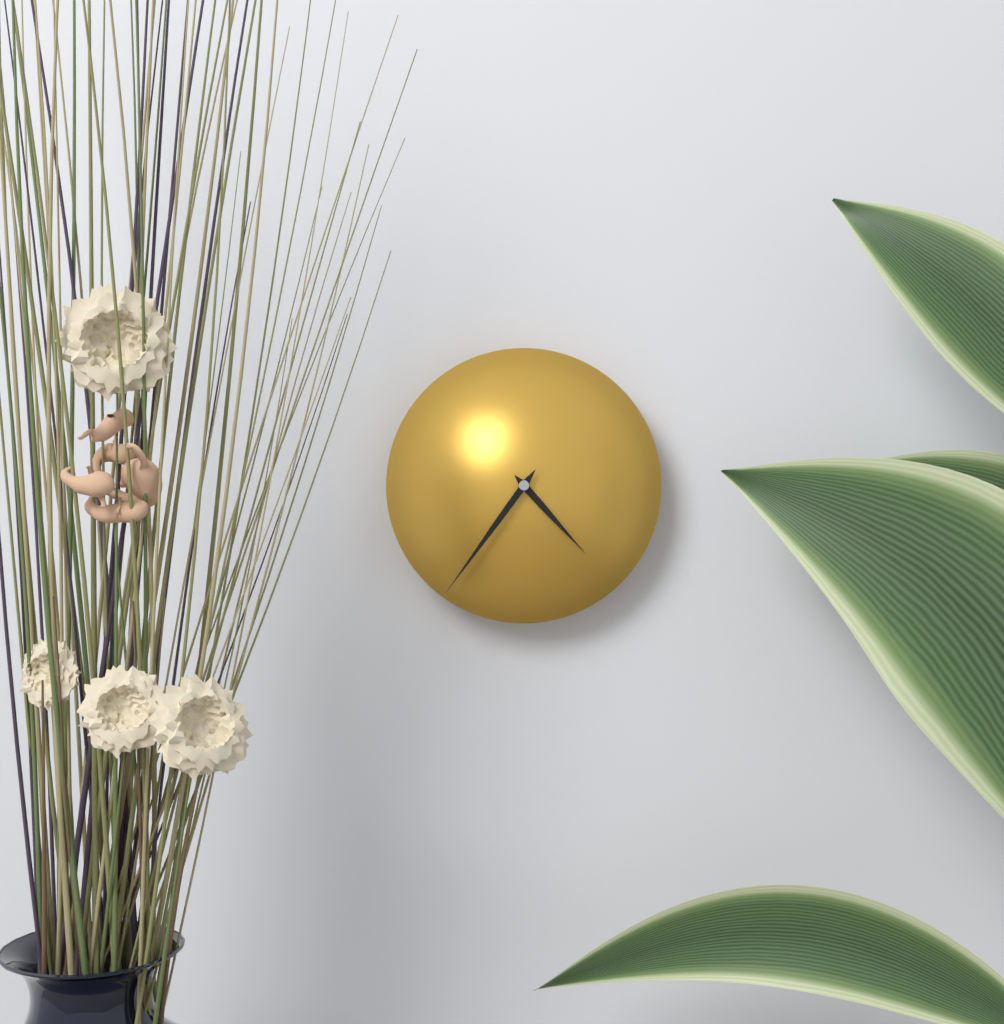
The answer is 4:36
